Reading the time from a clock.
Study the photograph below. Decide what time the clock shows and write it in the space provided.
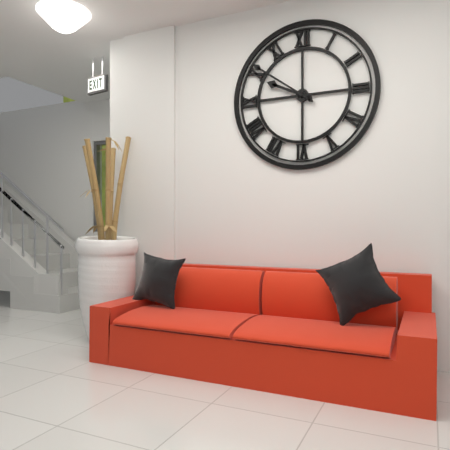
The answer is 9:51
